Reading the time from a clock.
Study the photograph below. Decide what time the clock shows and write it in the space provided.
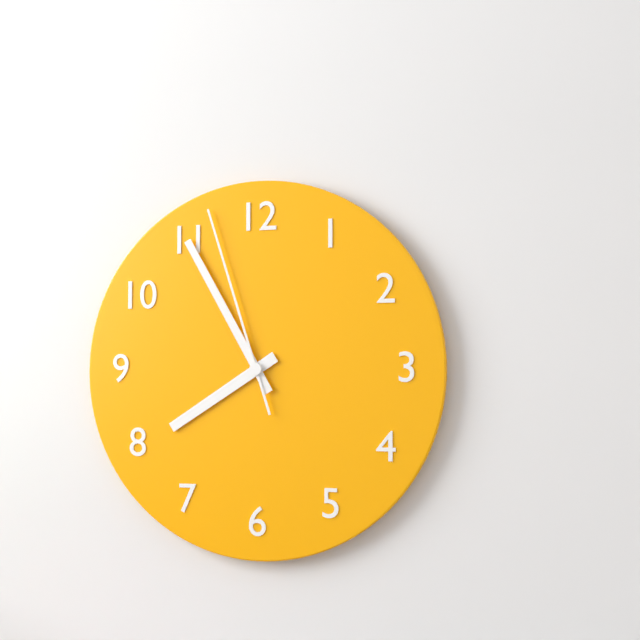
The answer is 7:55:57
